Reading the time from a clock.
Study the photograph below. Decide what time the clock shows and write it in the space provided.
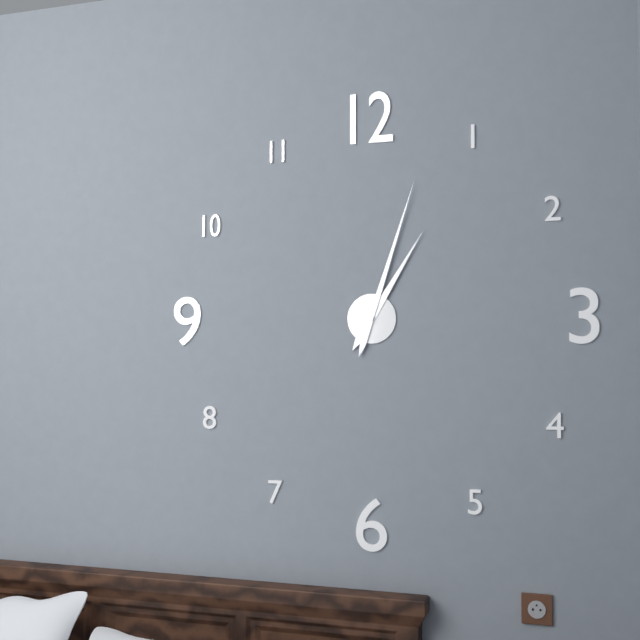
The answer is 1:03
